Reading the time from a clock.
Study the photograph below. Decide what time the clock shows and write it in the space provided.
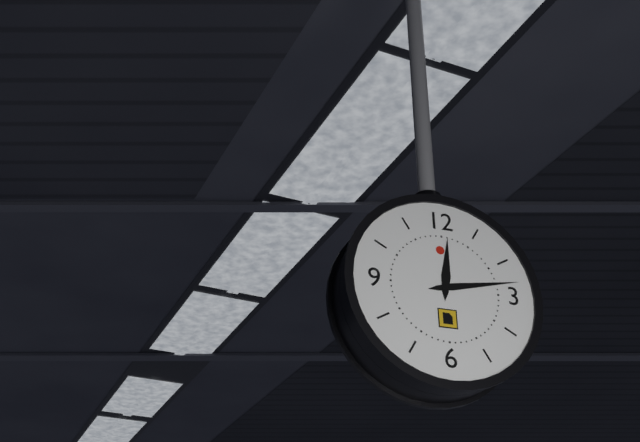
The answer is 12:13
